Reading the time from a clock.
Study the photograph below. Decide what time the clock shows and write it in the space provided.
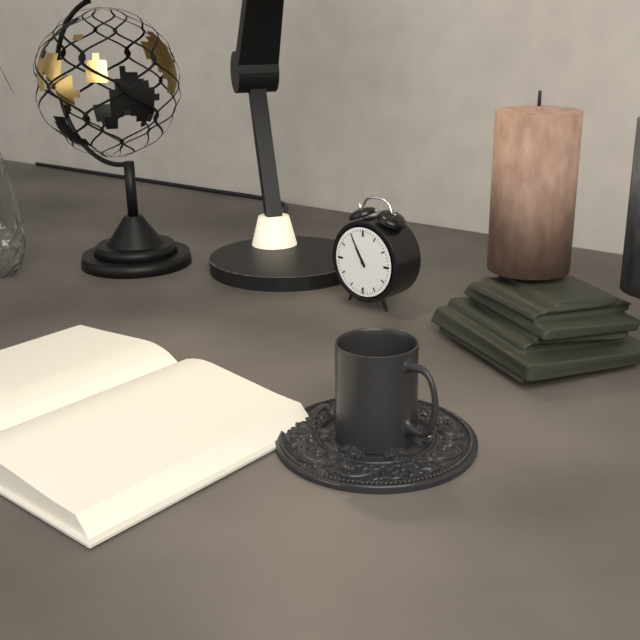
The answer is 10:55
